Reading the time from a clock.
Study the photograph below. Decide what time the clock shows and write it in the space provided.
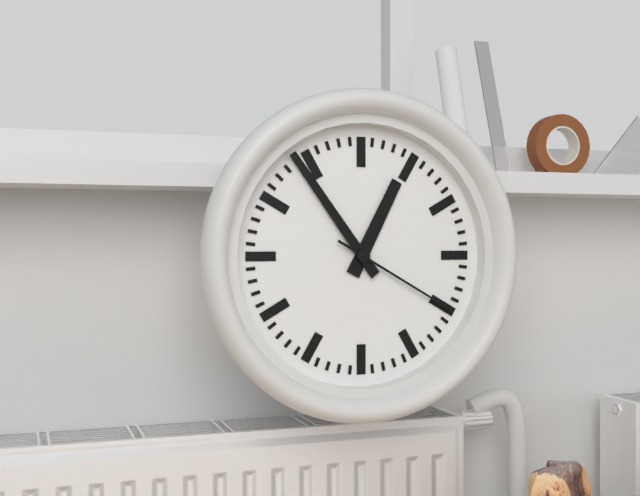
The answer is 12:54:20
